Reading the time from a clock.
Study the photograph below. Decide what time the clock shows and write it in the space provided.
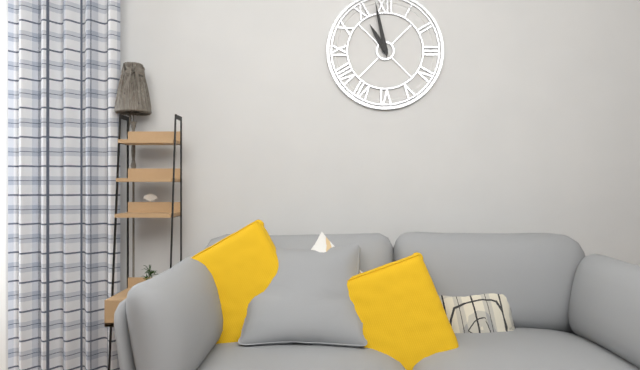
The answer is 10:58
